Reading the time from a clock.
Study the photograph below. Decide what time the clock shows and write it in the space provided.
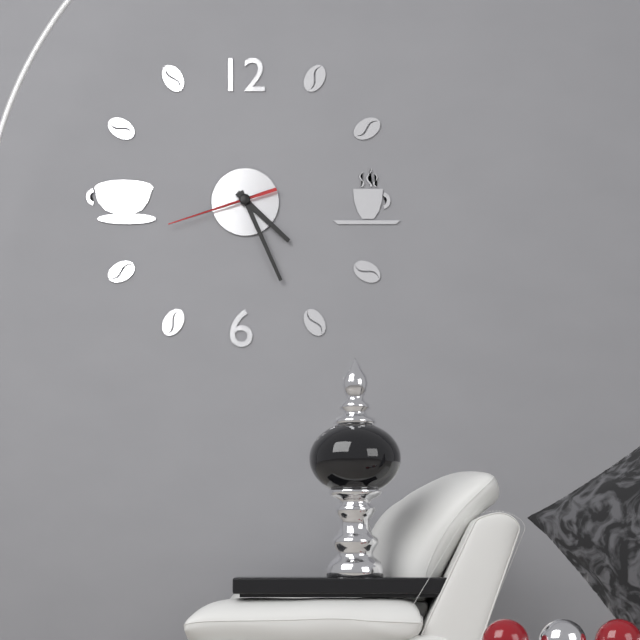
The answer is 4:26:42
